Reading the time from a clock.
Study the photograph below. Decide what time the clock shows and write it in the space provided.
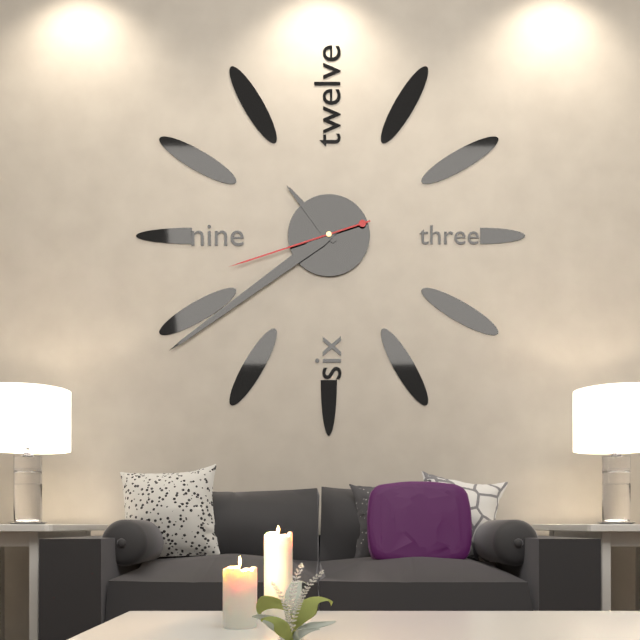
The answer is 10:39:42
